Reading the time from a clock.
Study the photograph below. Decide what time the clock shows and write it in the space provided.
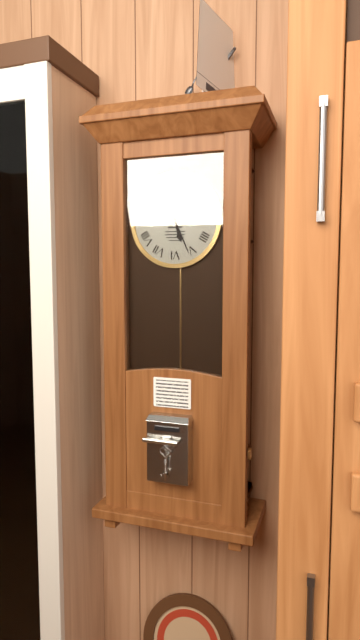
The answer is 5:26
